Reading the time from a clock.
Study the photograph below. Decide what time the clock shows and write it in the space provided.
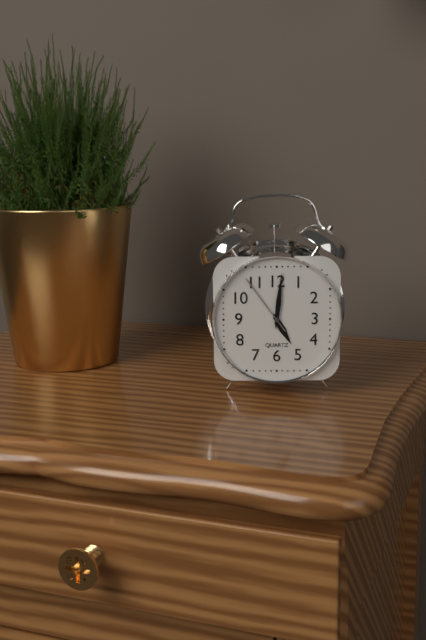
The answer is 5:01:54
